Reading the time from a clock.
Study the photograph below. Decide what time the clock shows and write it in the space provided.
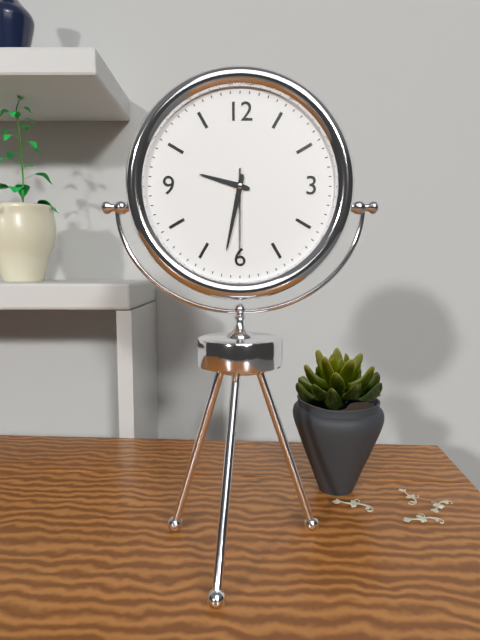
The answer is 9:32:30
